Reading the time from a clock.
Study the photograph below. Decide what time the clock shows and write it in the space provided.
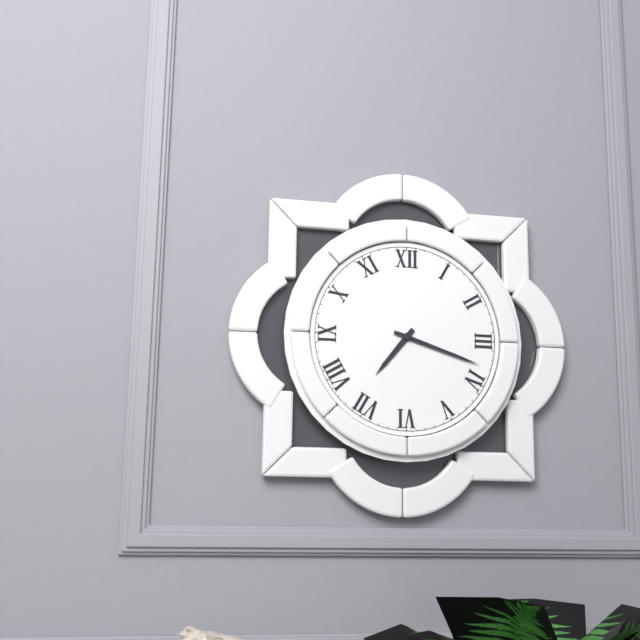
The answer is 7:18
